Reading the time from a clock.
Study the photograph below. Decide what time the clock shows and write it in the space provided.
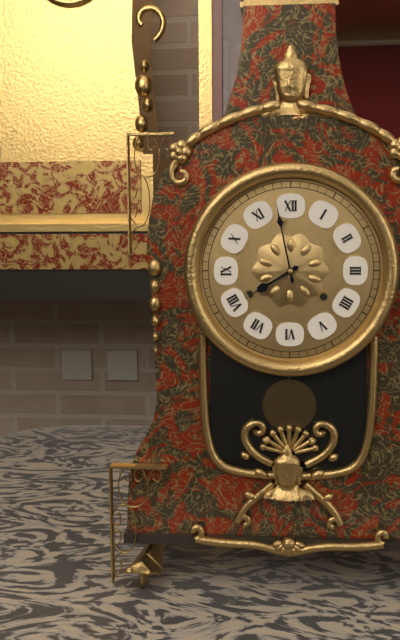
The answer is 7:58
